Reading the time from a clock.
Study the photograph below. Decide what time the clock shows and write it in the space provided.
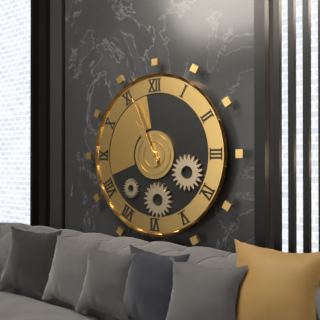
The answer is 10:56
